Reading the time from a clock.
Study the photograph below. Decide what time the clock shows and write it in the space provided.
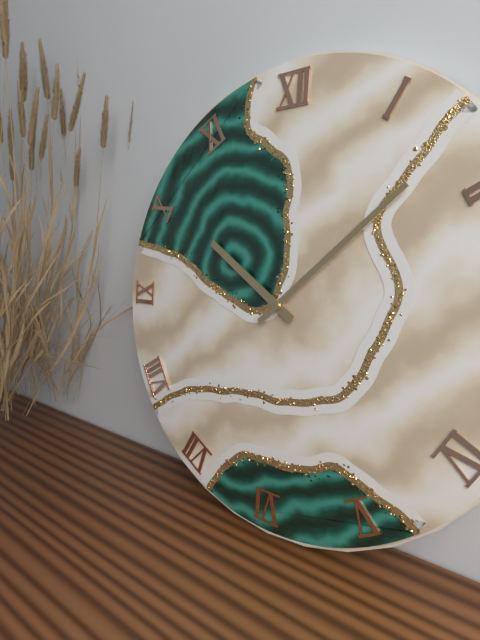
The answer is 10:08
